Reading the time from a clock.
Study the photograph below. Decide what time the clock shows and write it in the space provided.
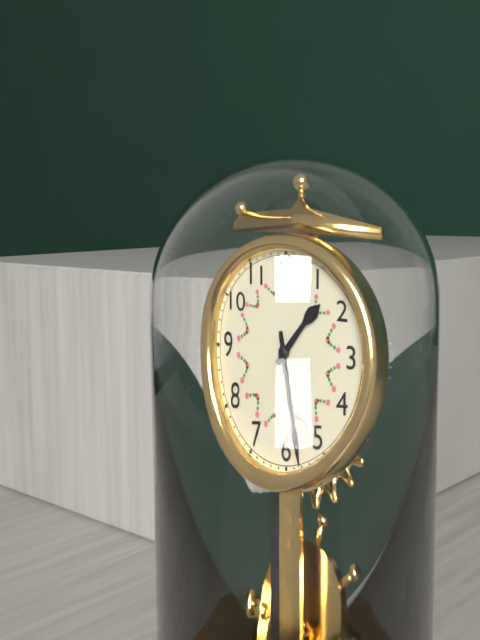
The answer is 1:28
